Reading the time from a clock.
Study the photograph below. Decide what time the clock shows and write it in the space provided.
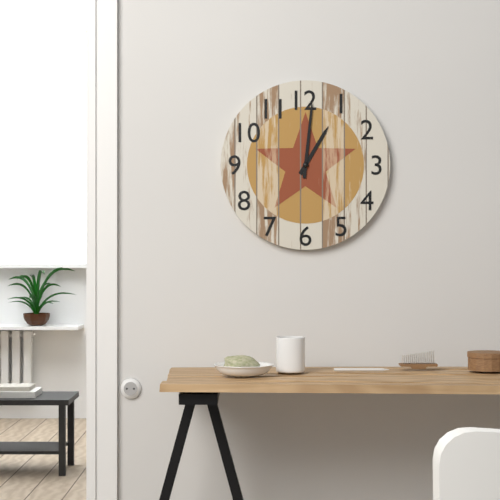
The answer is 1:01
